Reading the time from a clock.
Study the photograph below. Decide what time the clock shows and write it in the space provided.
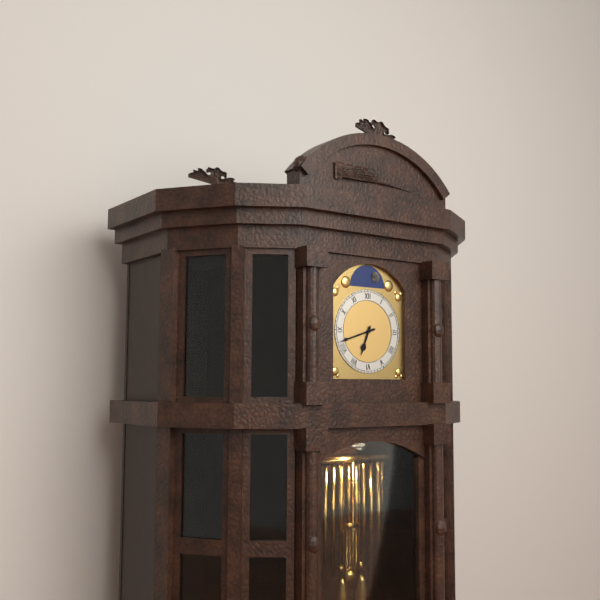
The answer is 6:42
